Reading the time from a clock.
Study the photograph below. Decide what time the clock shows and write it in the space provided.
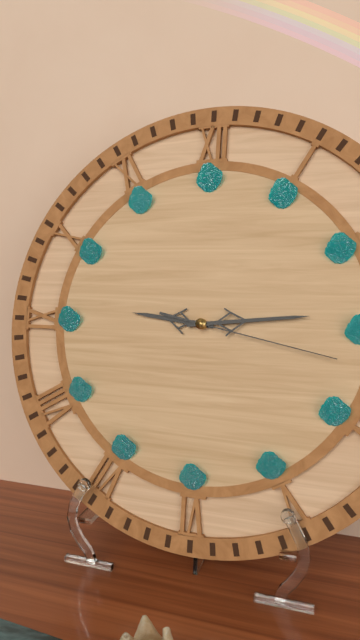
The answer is 9:14:17
